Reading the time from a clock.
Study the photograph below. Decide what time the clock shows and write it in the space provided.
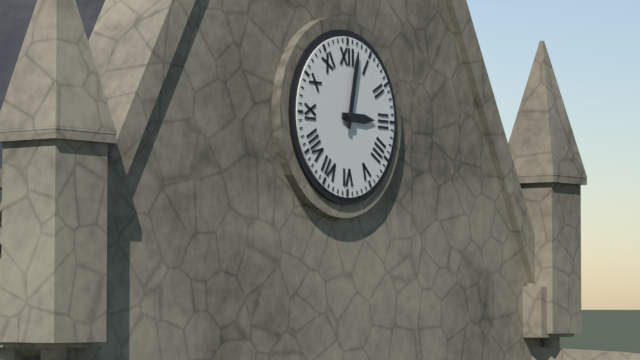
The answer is 3:02
